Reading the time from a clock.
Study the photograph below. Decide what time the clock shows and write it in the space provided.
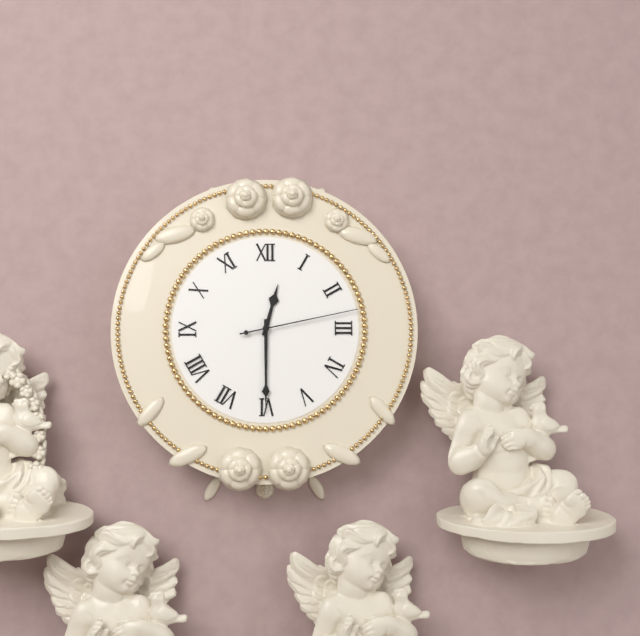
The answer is 12:30:13
